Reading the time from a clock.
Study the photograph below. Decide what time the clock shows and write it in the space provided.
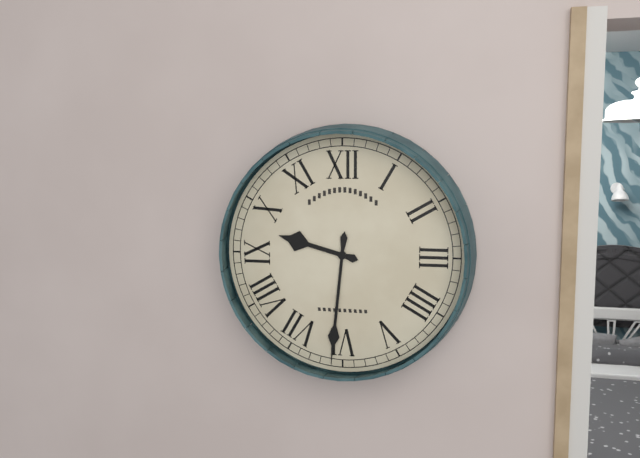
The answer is 9:31
